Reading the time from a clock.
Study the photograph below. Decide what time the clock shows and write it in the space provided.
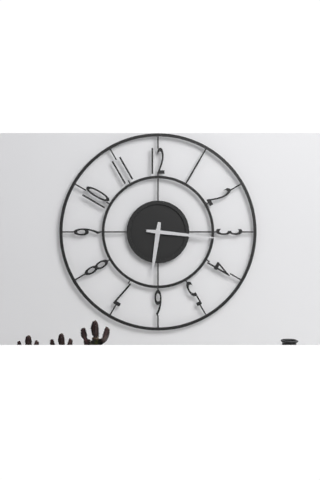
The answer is 6:16
